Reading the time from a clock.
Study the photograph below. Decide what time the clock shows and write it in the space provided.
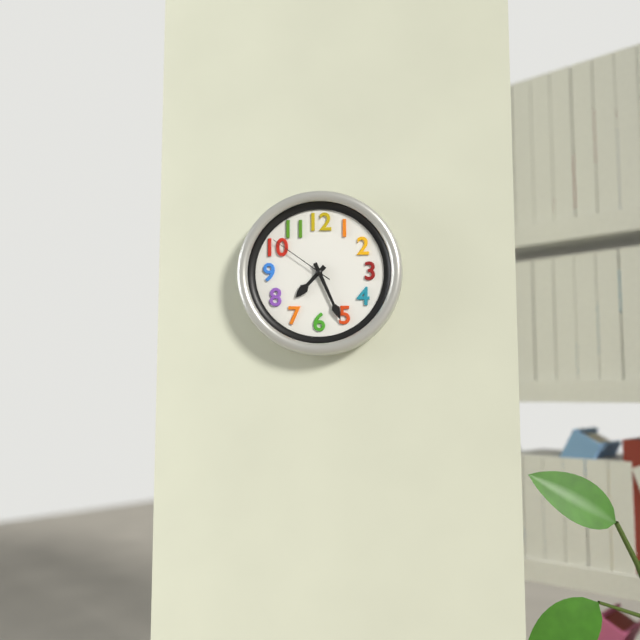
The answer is 7:26:51
